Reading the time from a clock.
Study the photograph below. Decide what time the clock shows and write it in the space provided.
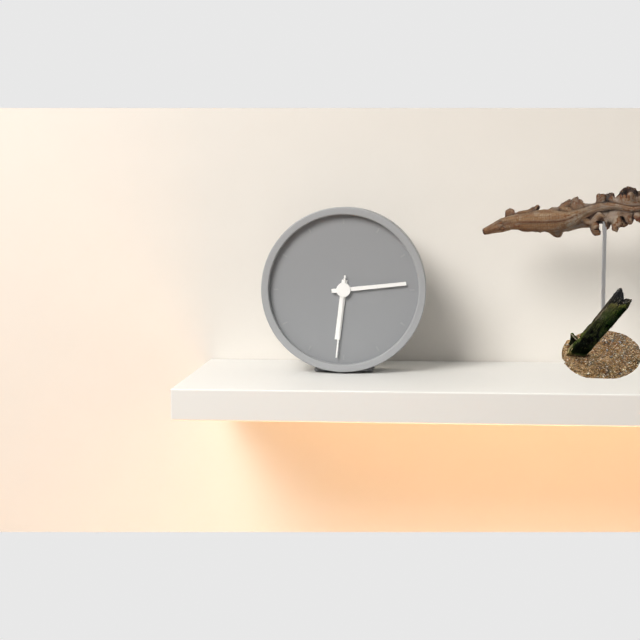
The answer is 6:14:31
